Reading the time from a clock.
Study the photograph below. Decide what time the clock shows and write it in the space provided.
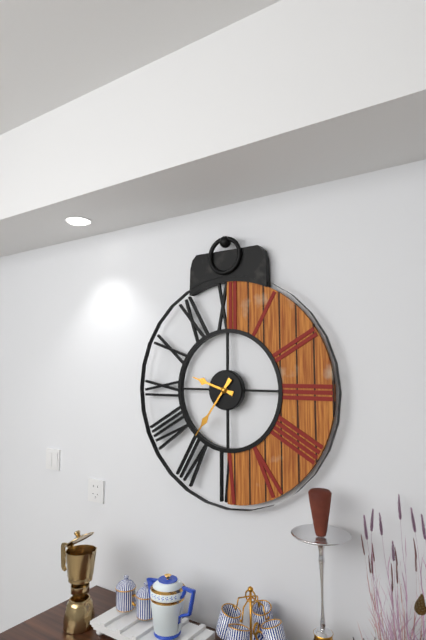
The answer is 9:36
